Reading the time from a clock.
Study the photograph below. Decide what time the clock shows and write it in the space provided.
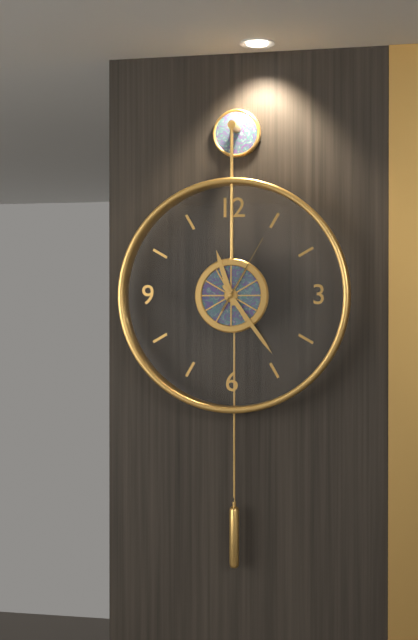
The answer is 11:24:05
